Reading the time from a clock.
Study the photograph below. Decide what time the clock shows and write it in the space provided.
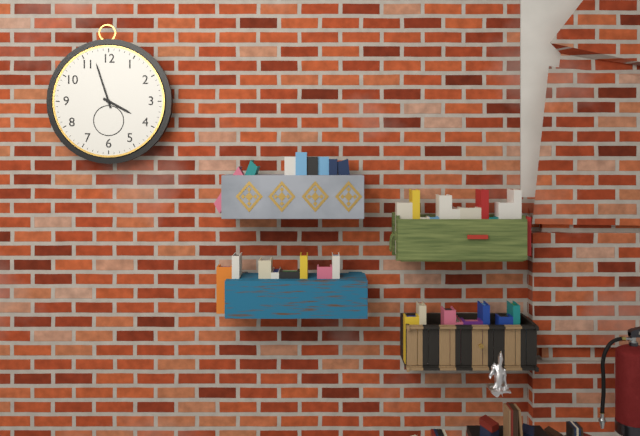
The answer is 3:57
